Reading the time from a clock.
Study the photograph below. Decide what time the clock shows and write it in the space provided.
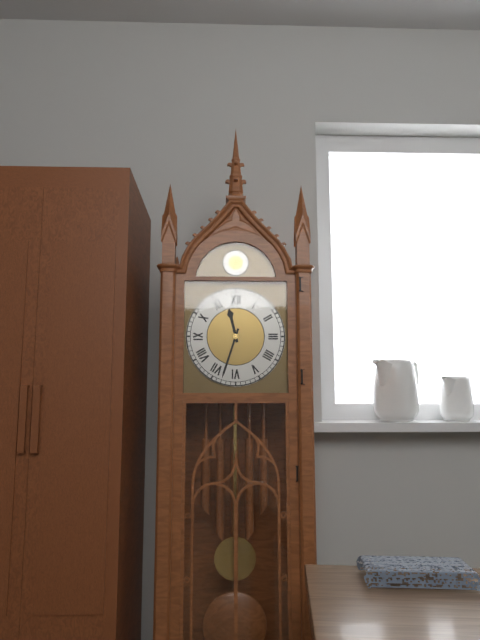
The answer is 11:33
